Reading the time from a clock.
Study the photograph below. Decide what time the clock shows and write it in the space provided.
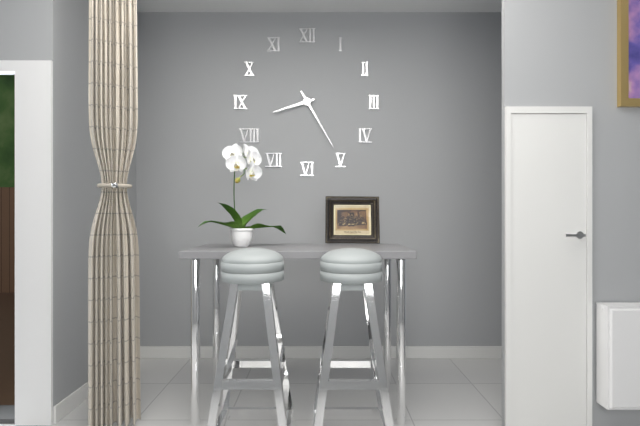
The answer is 8:25
